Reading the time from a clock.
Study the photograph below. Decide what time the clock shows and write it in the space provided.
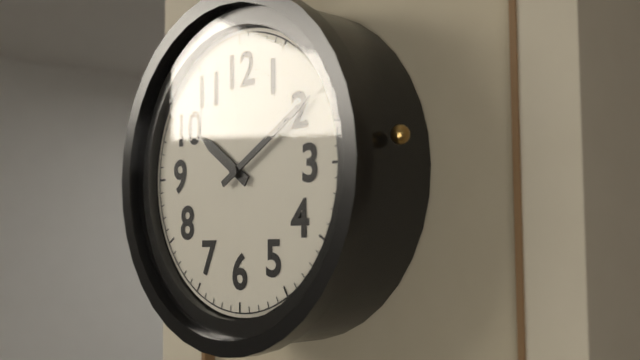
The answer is 10:10
